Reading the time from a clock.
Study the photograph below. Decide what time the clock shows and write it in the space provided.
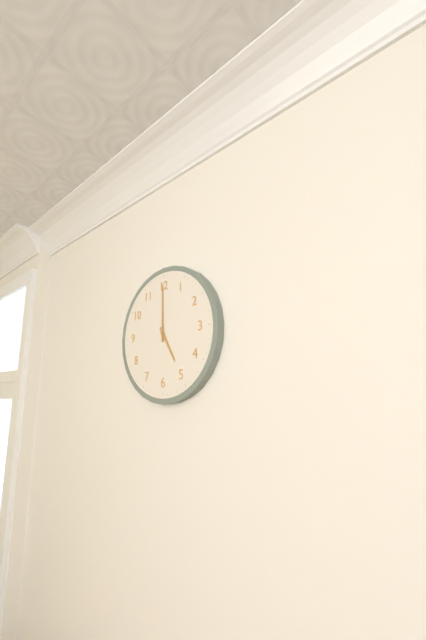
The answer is 5:00
